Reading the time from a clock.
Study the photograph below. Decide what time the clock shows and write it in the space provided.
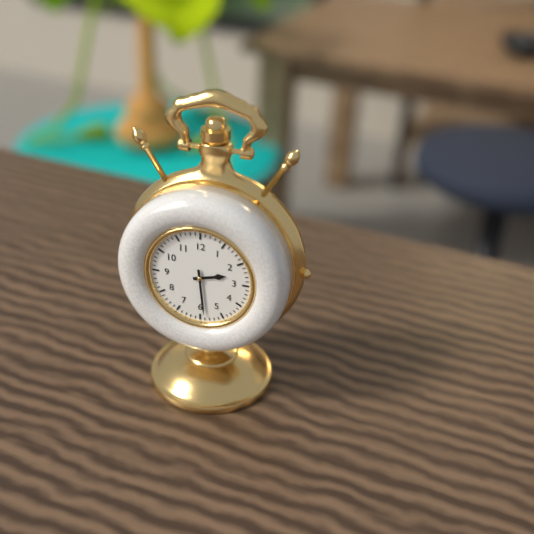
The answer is 2:29
